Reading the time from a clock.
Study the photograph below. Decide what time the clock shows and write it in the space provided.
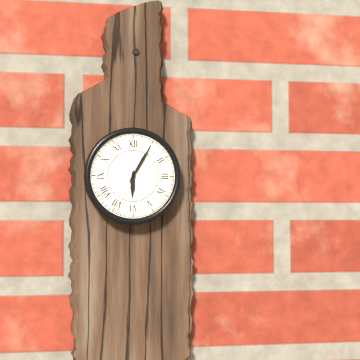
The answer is 6:05
